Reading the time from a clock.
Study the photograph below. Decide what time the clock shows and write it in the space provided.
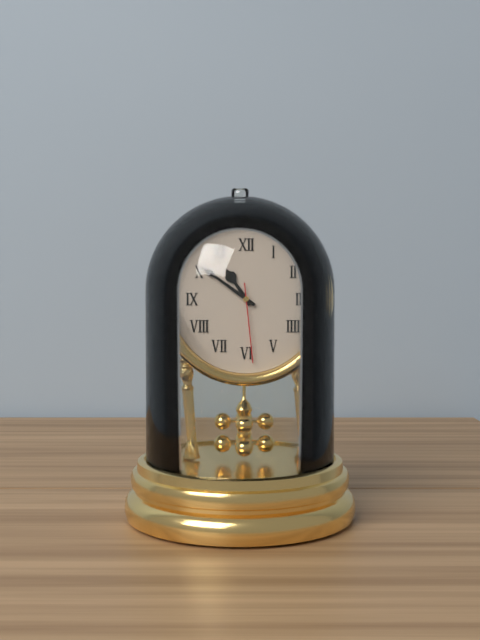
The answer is 10:51:29
